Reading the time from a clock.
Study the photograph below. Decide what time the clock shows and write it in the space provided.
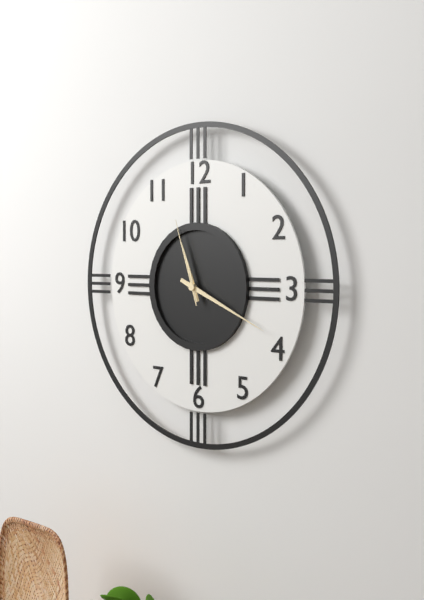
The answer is 11:19:57
